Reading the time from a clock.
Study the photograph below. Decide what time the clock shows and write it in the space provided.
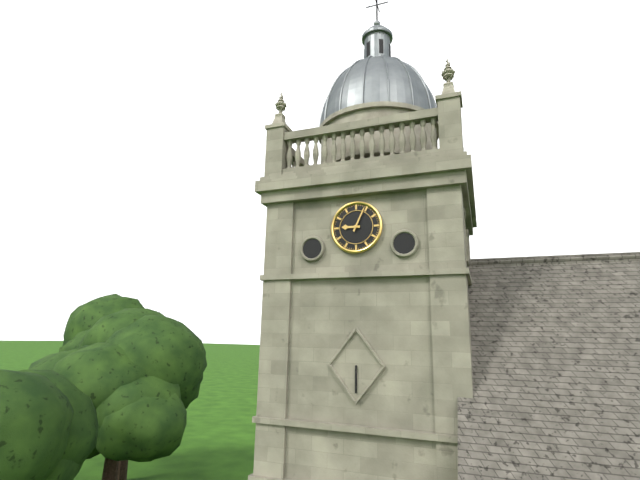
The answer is 9:04
